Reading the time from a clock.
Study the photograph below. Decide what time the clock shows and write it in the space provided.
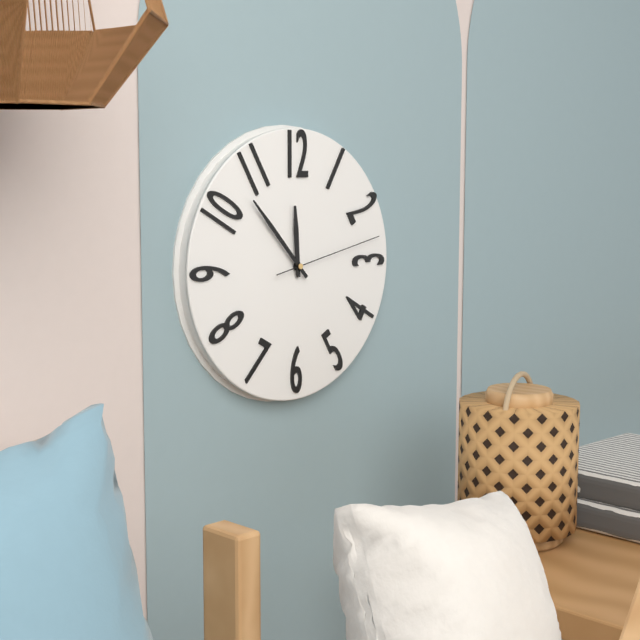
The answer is 11:53:13
